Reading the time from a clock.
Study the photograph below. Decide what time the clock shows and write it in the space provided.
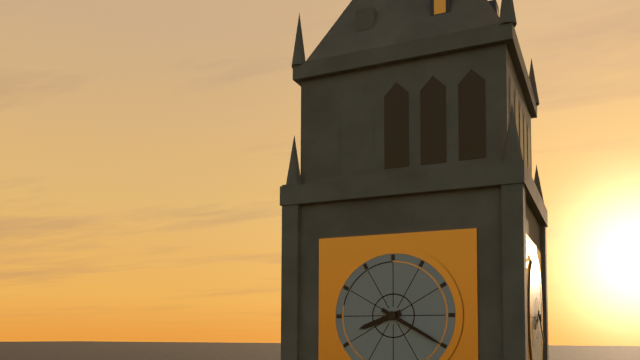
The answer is 8:20
